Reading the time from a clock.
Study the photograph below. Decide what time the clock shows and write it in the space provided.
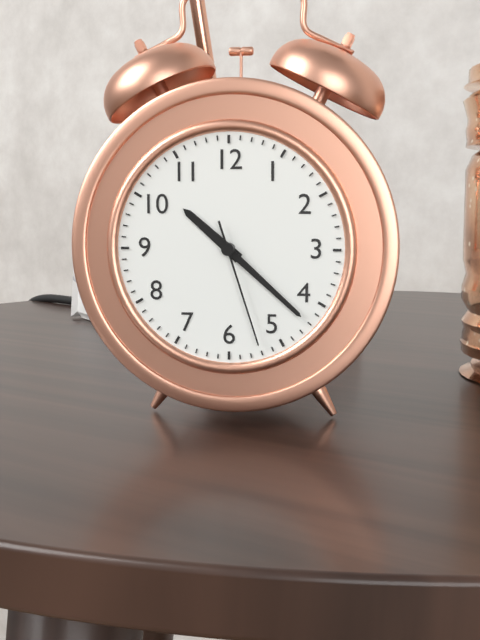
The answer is 10:22:27
